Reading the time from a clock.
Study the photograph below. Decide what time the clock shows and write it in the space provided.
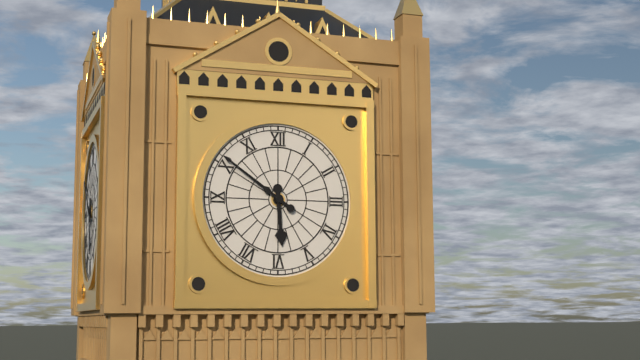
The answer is 5:51
